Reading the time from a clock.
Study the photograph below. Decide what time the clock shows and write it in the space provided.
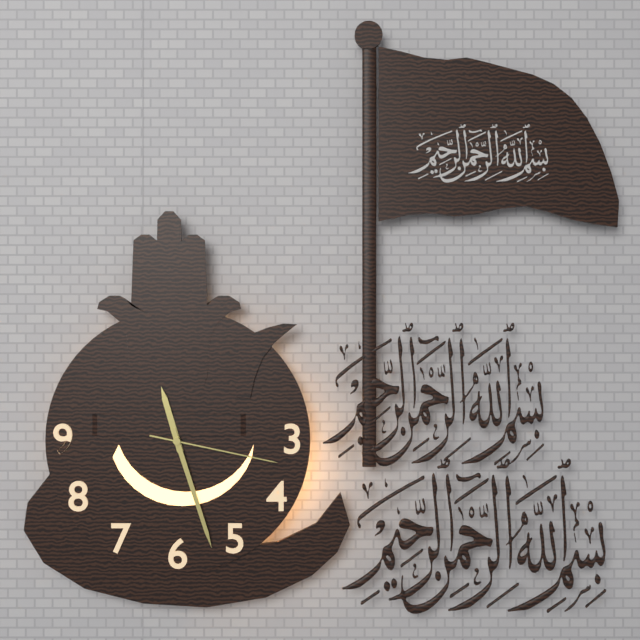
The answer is 11:27:17
